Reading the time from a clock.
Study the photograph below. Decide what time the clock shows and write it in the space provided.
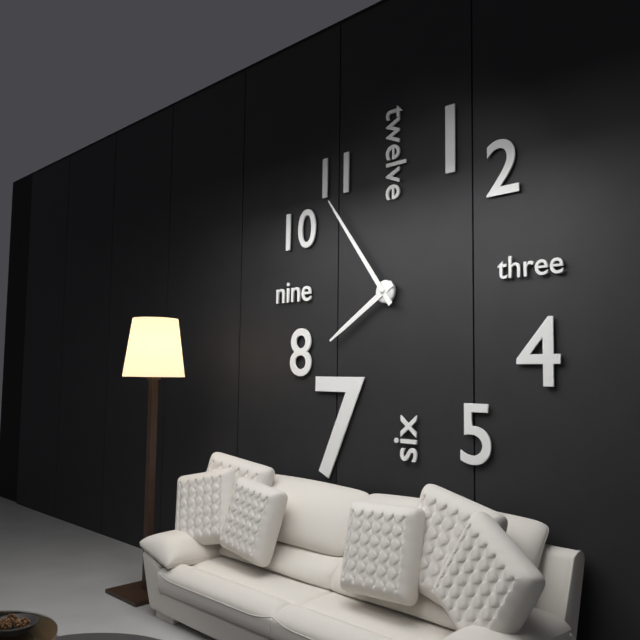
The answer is 7:54
